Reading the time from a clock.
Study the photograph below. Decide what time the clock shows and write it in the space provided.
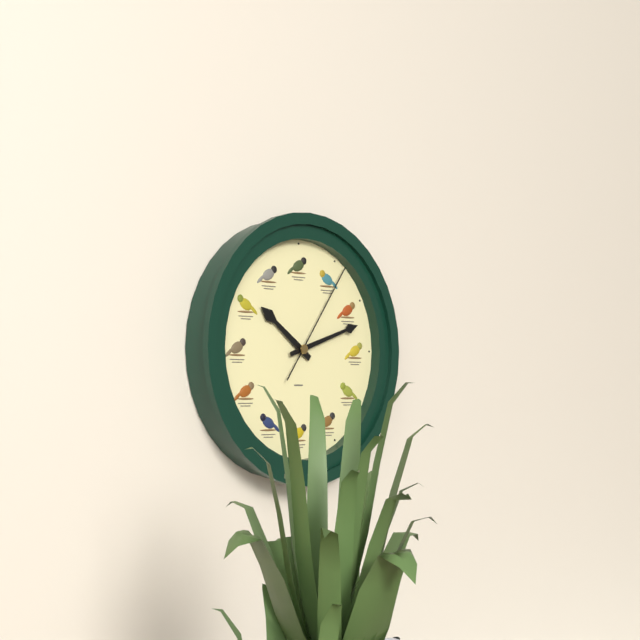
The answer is 10:12:06
